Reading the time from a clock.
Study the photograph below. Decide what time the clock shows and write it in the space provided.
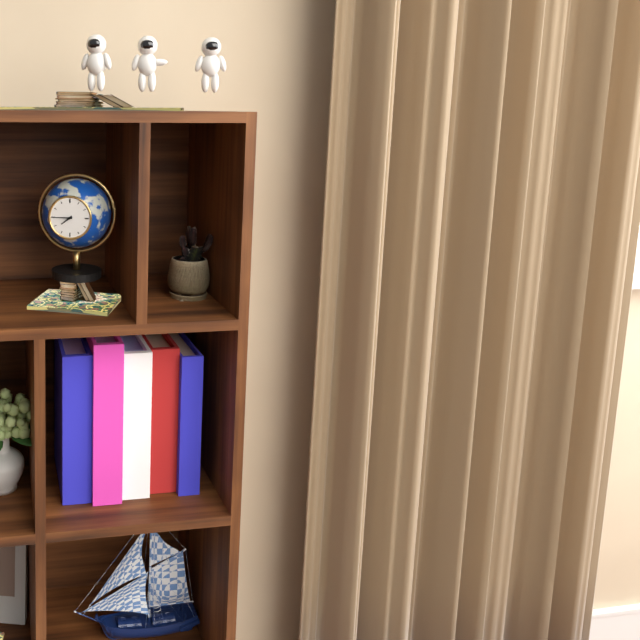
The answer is 7:45
